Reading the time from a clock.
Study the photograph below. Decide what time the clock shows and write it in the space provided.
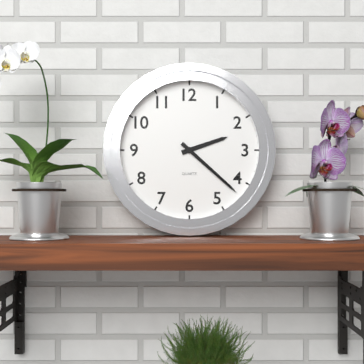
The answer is 2:22
